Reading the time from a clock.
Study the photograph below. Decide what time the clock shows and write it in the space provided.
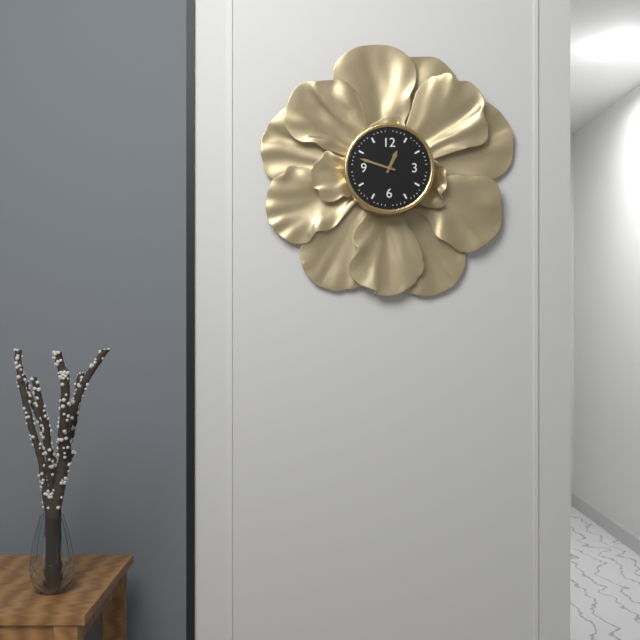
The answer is 12:48
